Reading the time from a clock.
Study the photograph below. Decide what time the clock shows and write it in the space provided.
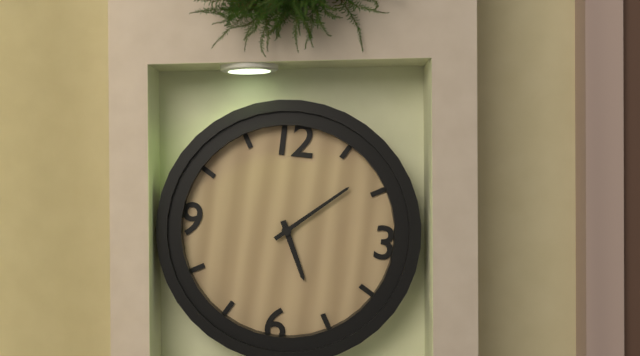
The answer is 5:08
